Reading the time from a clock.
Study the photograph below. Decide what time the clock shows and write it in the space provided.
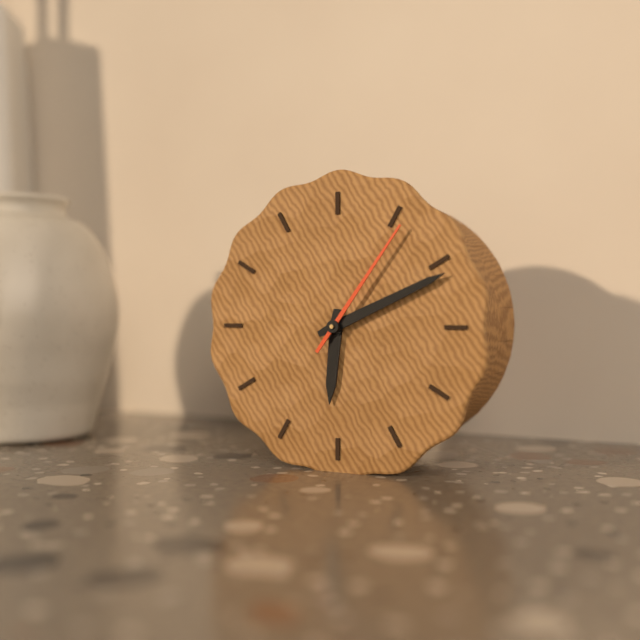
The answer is 6:11:06
